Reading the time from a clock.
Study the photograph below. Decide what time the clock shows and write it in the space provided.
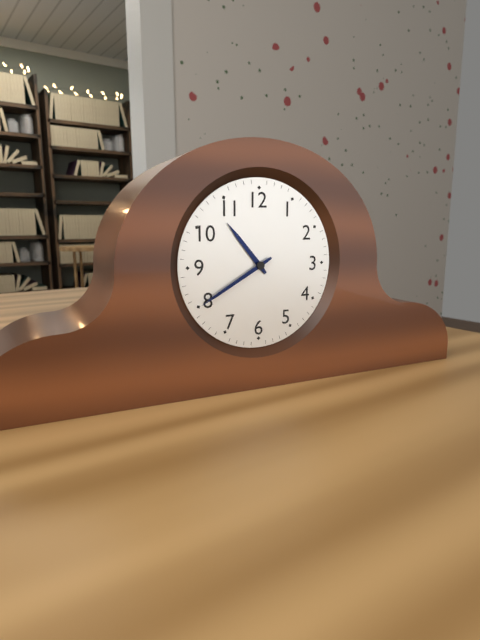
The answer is 10:40
